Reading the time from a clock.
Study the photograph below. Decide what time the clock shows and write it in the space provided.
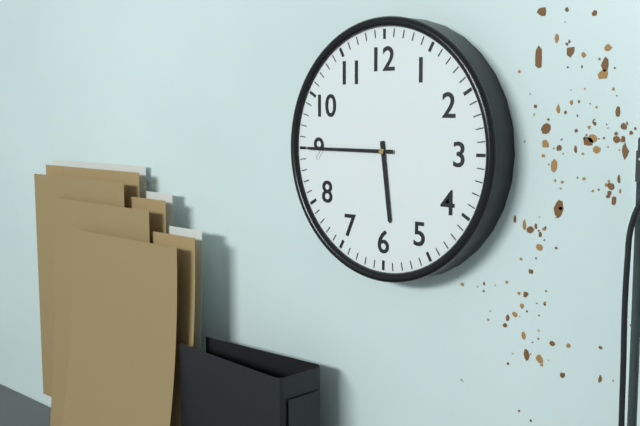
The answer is 5:45
